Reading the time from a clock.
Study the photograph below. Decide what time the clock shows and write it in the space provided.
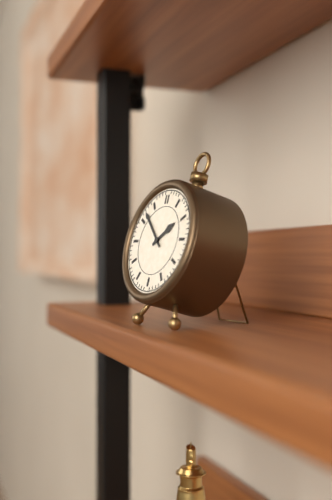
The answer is 1:52
